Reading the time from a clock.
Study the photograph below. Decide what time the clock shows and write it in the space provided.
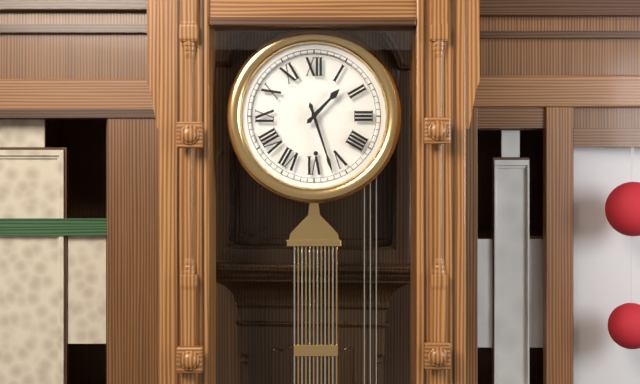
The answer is 1:27
